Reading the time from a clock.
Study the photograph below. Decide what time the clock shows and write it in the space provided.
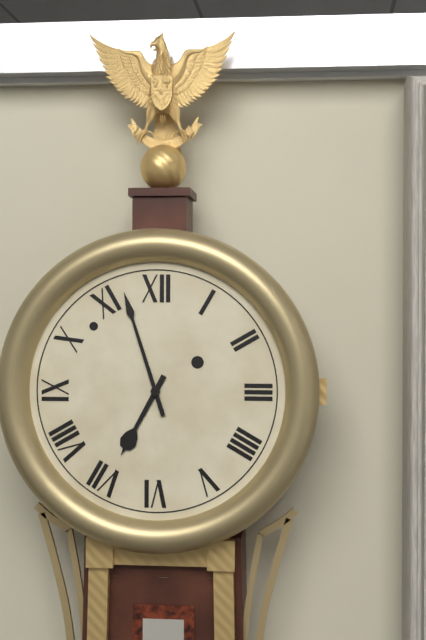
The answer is 6:57
